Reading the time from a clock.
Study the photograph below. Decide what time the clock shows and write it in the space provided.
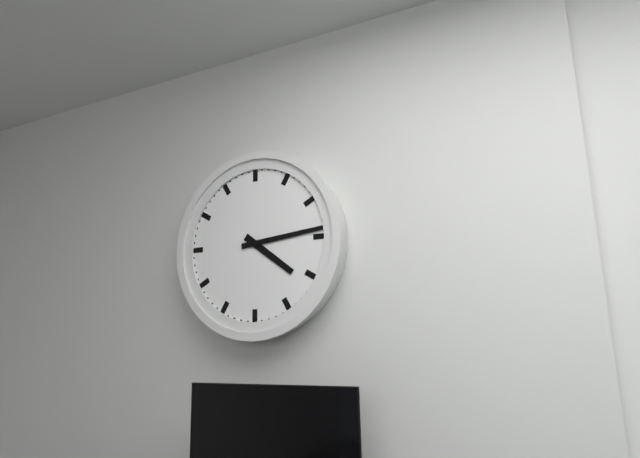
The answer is 4:14
